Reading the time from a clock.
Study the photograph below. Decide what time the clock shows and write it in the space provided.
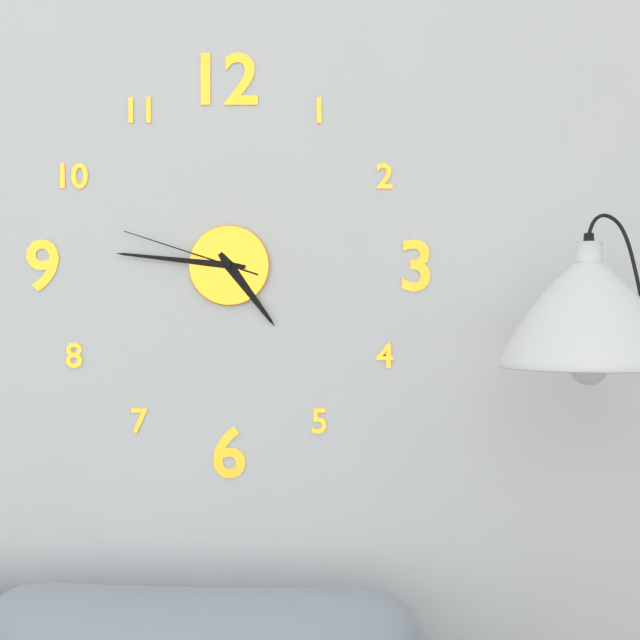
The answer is 4:46:48
